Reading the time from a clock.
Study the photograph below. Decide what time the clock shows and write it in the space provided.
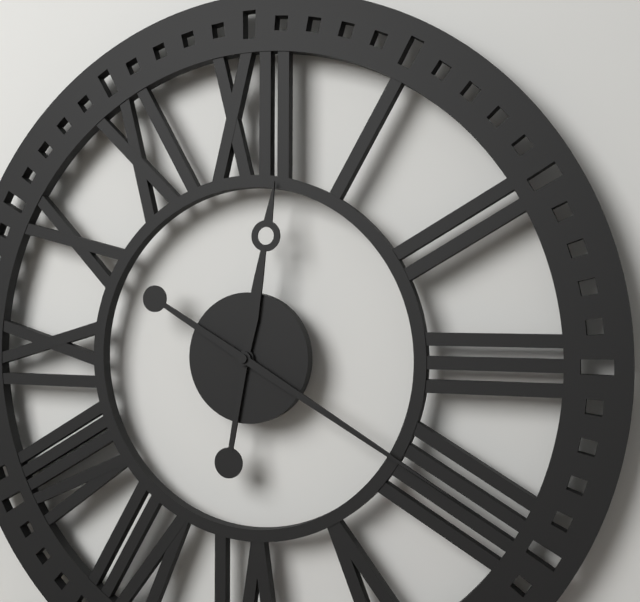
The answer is 12:20
